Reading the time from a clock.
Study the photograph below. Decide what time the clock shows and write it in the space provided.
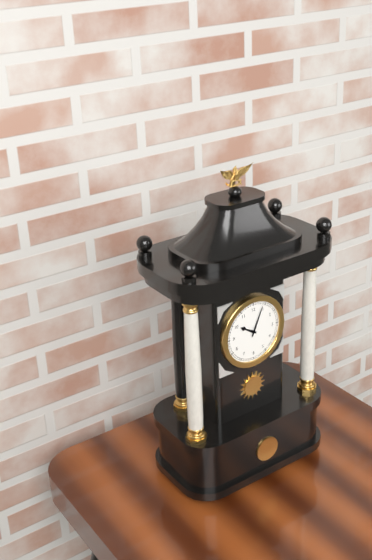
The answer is 10:04
